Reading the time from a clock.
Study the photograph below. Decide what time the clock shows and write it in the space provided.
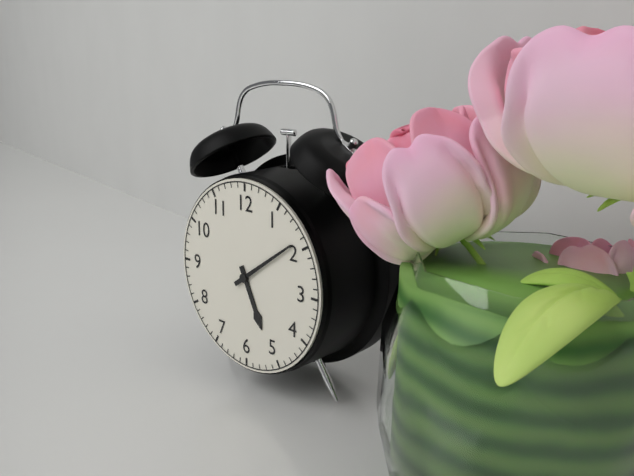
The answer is 5:09
